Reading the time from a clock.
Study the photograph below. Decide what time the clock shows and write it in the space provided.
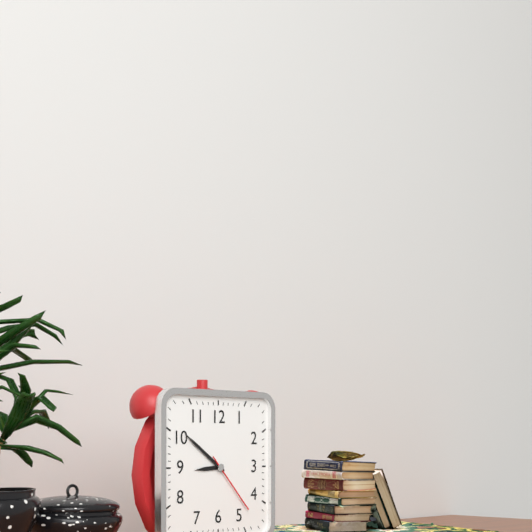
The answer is 8:51:23
